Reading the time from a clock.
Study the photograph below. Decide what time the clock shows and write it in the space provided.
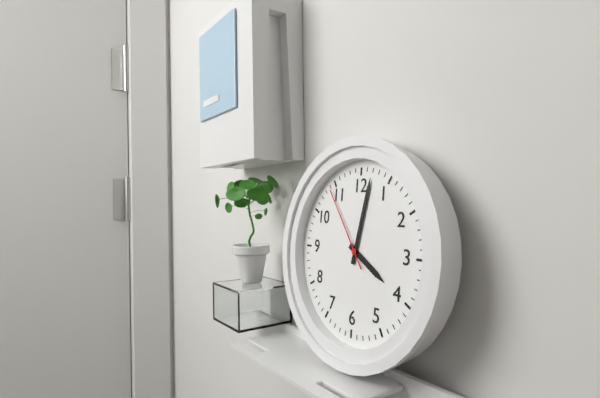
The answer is 4:02:54
